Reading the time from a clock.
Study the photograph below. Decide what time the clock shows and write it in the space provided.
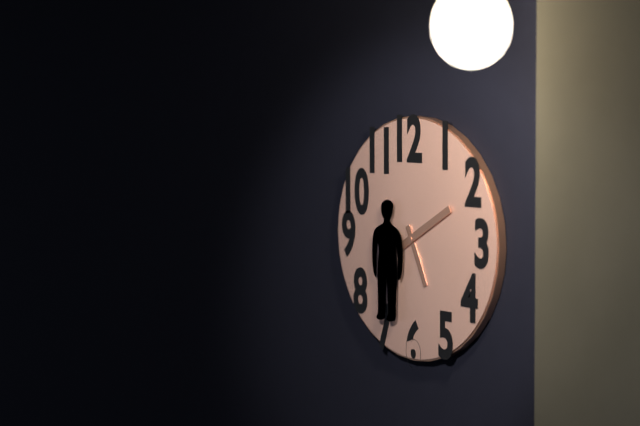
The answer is 5:10
